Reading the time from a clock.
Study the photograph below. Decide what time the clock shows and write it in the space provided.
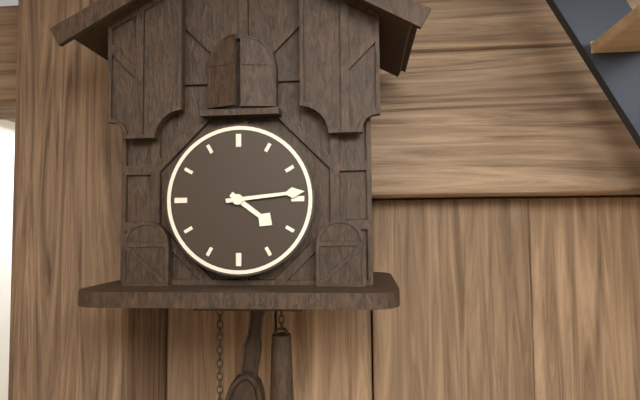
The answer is 4:14
